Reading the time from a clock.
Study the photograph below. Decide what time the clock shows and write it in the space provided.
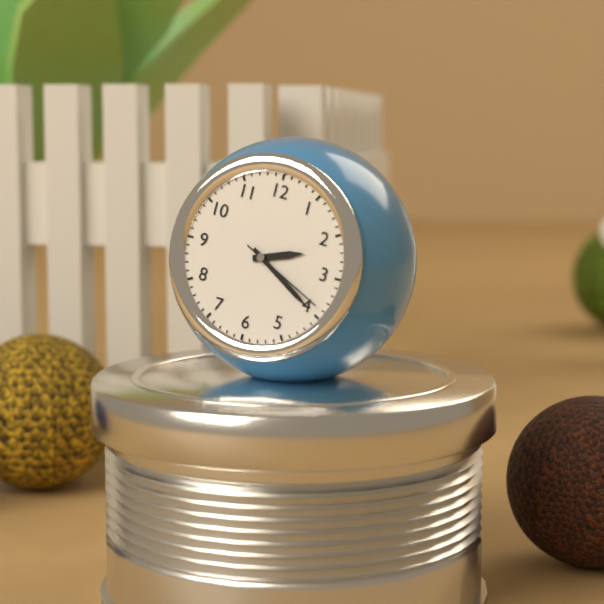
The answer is 2:20:19
